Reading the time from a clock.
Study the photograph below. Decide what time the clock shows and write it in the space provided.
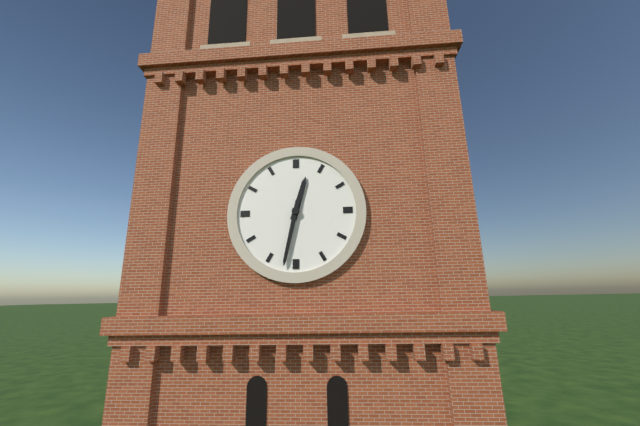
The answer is 12:32
